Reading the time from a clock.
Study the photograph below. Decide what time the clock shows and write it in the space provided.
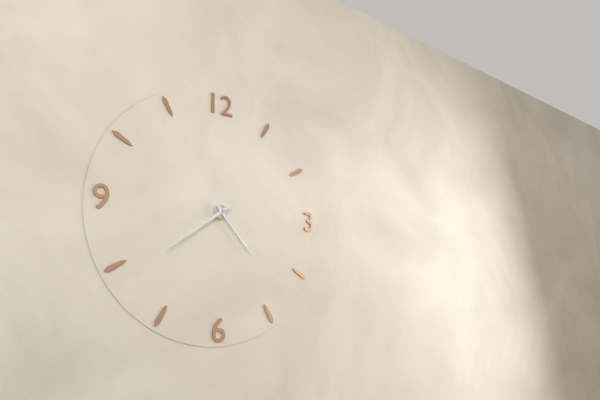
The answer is 4:39
